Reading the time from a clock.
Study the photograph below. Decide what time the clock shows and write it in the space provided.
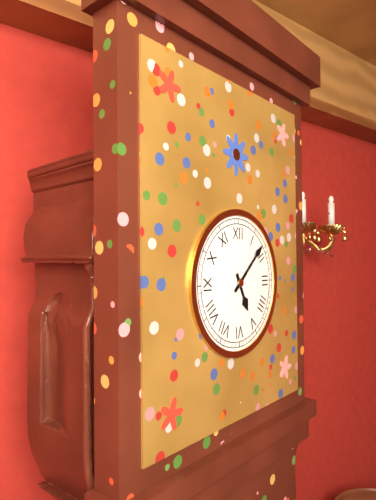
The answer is 5:08
